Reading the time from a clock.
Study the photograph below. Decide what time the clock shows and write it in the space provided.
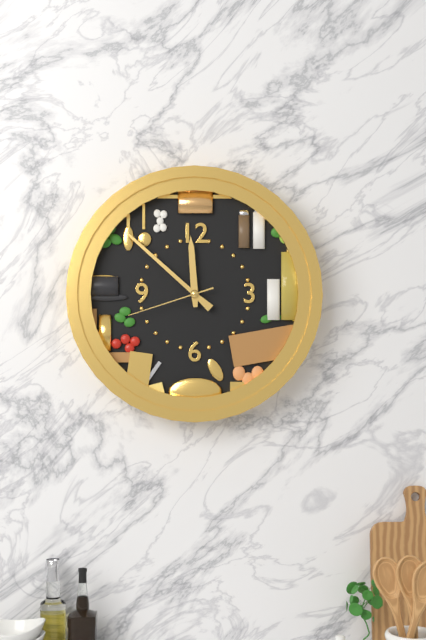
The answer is 11:52:42
